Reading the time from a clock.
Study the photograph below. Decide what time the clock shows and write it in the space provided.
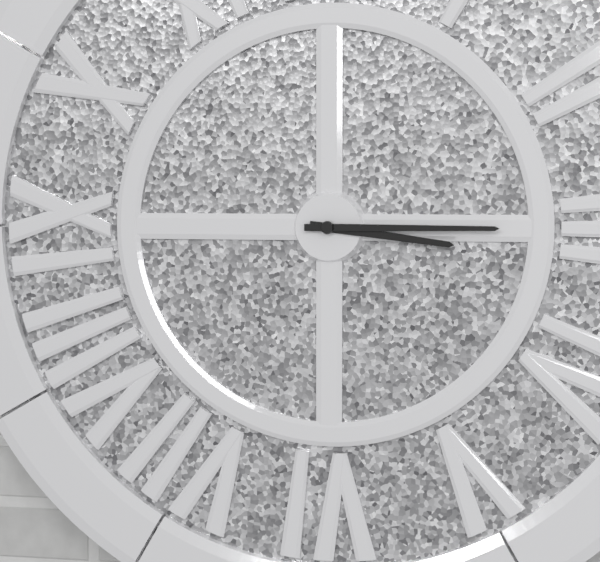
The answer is 3:15
